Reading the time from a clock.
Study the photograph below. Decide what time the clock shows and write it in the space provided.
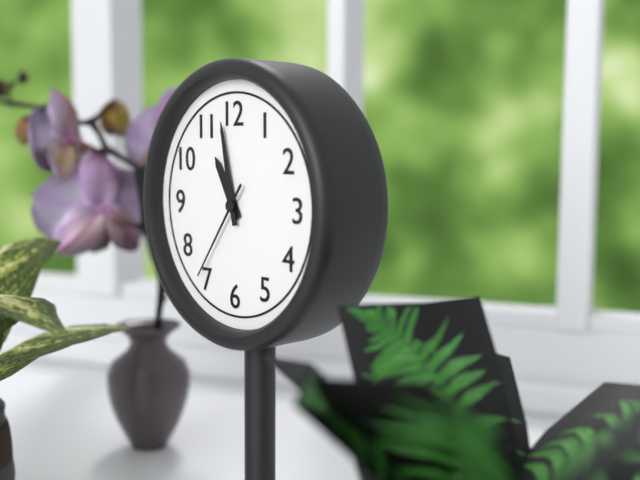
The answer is 10:58:36
